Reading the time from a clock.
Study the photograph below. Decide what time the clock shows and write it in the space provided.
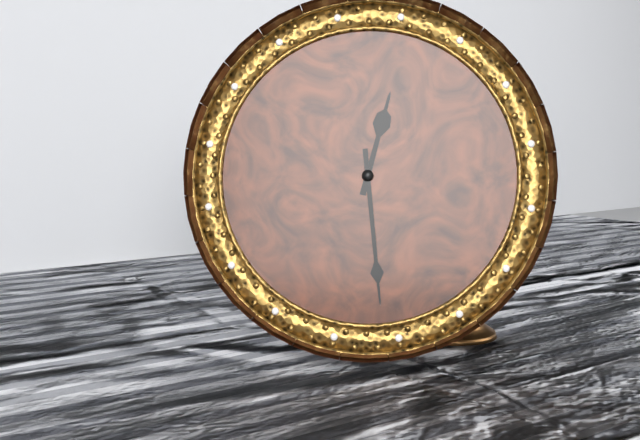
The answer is 12:29
